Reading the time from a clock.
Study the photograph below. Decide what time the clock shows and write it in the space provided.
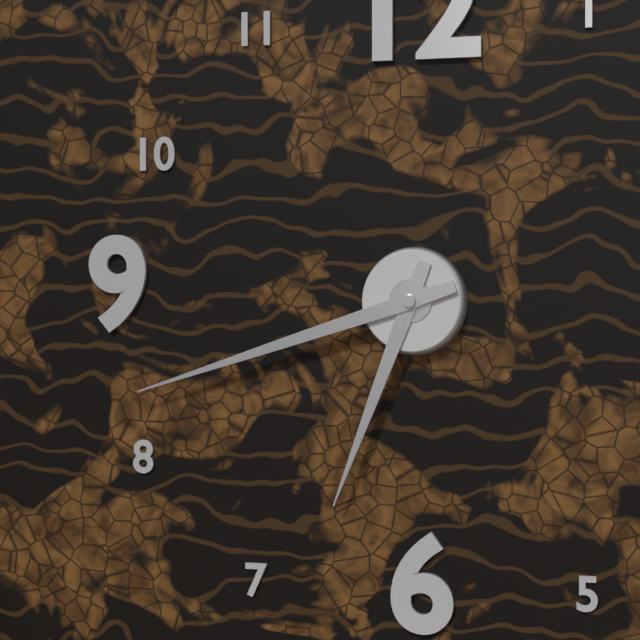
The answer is 6:42
